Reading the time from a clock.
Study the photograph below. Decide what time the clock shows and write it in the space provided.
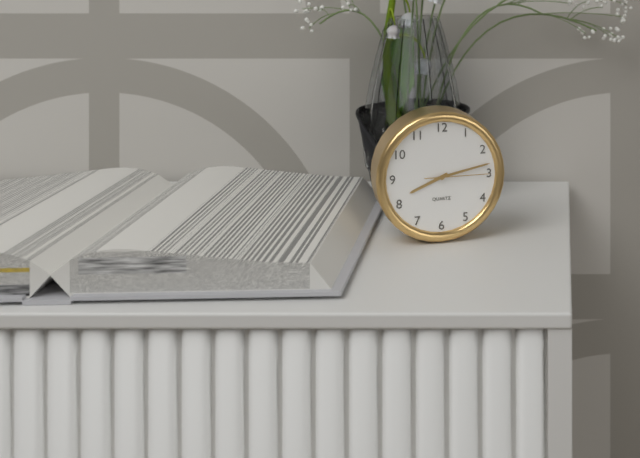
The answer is 8:13:15
